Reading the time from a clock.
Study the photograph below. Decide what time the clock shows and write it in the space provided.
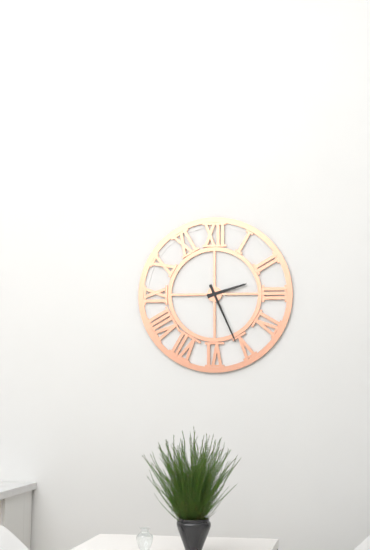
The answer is 2:26
